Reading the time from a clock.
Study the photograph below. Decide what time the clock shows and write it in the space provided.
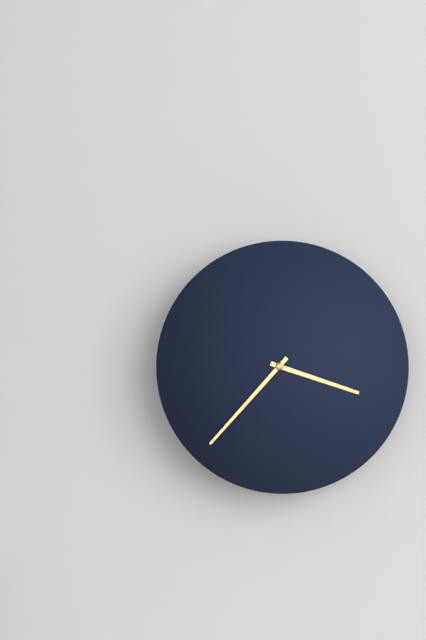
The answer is 3:37
